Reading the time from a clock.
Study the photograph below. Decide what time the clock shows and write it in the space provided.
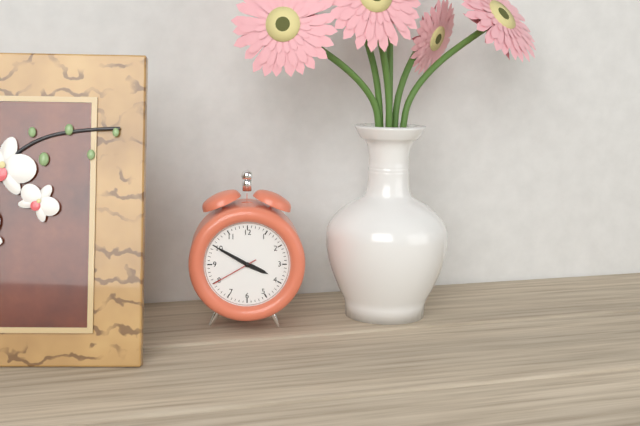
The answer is 3:50
